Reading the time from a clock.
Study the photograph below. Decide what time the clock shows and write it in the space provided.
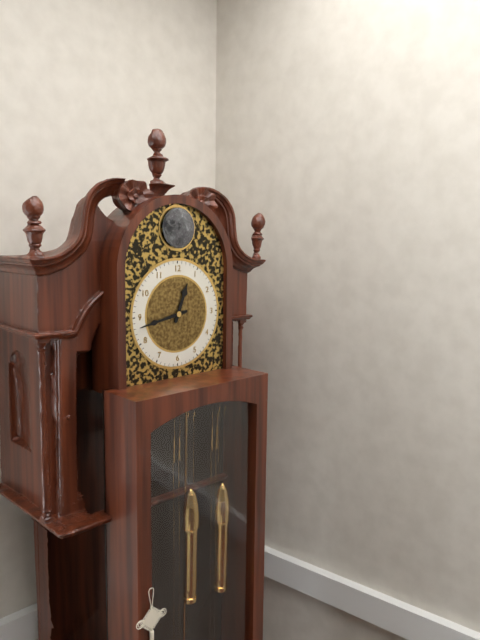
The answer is 12:43
